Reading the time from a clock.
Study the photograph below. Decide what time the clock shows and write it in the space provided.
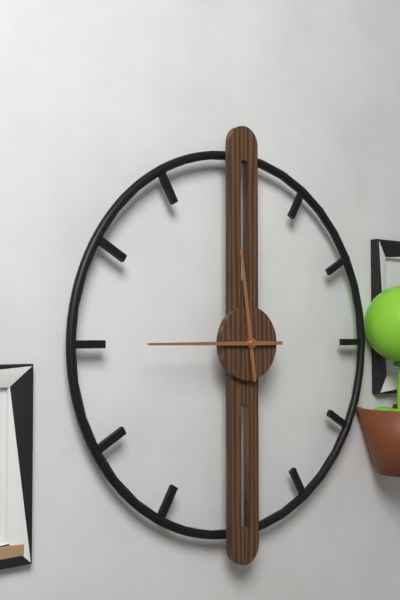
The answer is 11:45
